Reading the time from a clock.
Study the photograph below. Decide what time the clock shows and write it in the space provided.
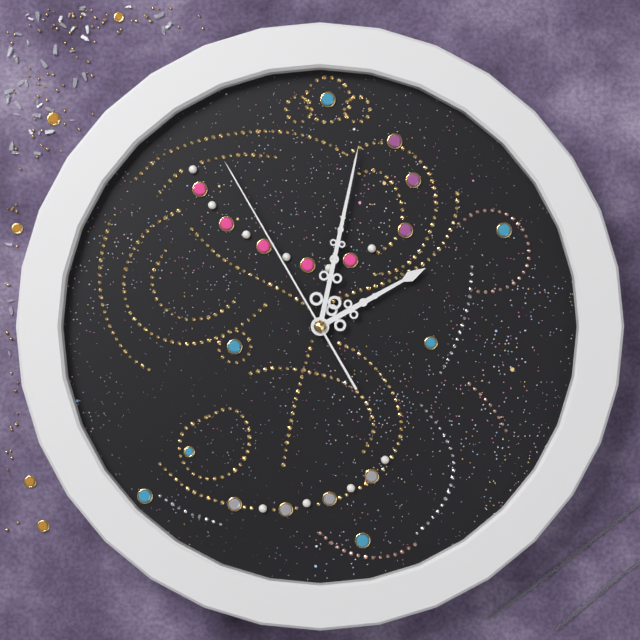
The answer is 2:02:55
